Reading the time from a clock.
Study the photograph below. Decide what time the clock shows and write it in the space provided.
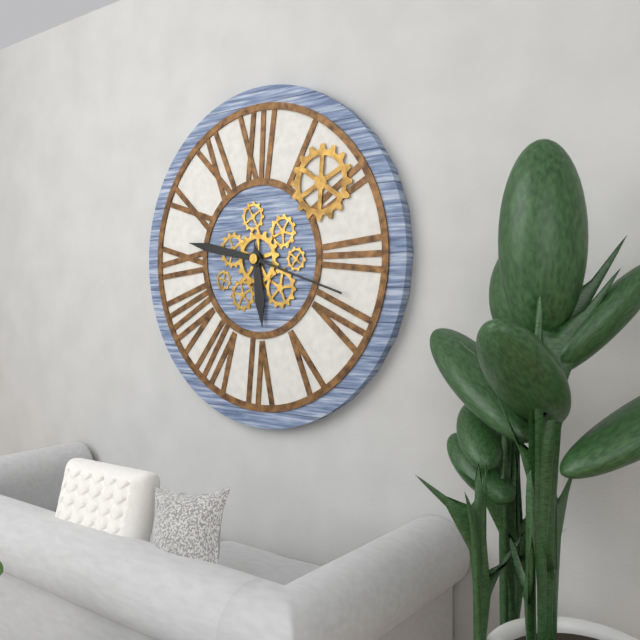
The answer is 5:47:18
